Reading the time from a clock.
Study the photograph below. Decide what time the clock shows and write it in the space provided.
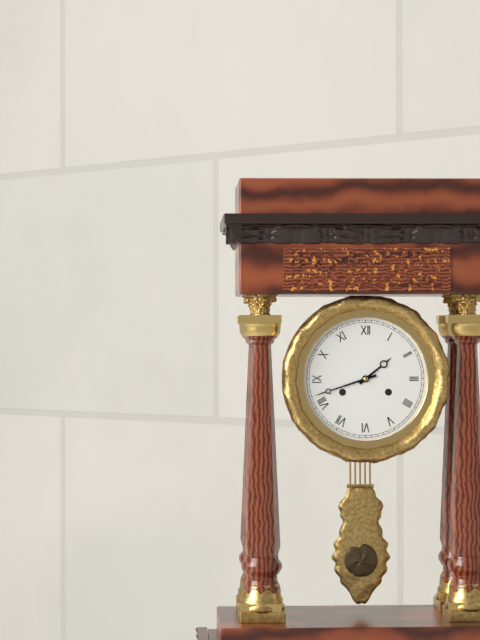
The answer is 1:42
